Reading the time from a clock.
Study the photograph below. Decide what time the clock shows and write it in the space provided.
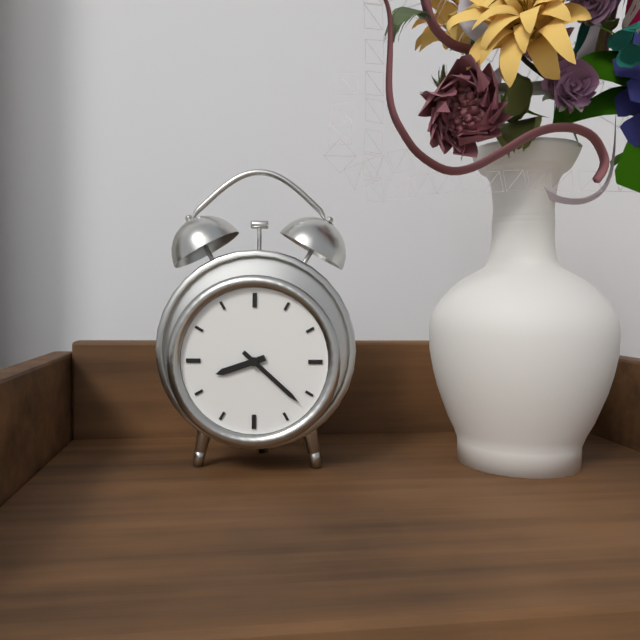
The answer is 8:22
